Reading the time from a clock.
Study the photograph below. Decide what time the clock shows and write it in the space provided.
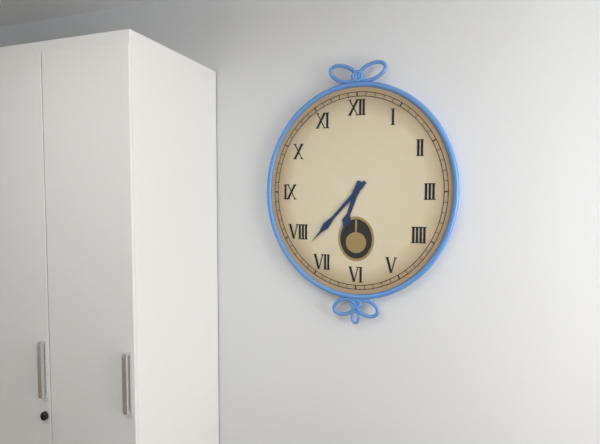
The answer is 6:37
